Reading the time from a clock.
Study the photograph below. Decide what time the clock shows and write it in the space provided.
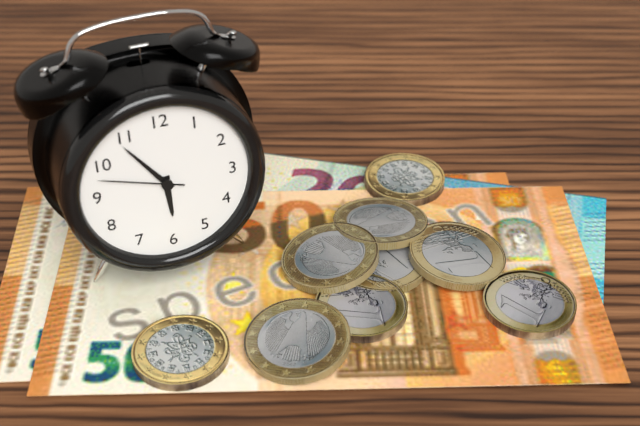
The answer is 5:54:48
